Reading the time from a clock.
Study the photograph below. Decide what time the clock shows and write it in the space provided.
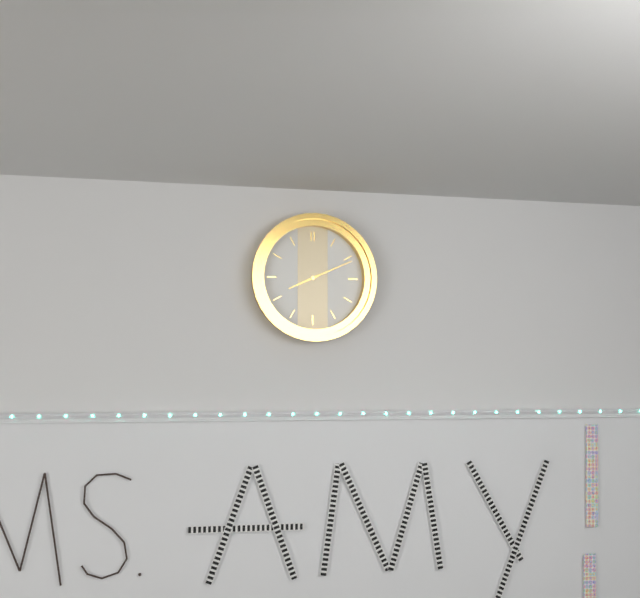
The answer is 8:11
